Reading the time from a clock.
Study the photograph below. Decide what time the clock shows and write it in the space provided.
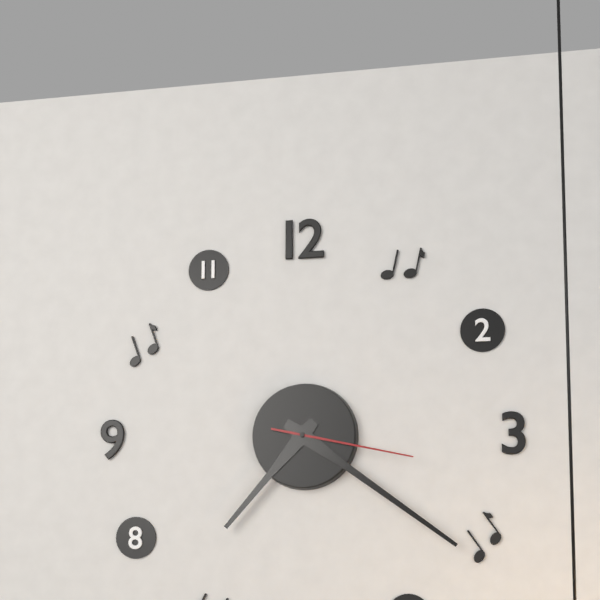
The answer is 7:21:17
